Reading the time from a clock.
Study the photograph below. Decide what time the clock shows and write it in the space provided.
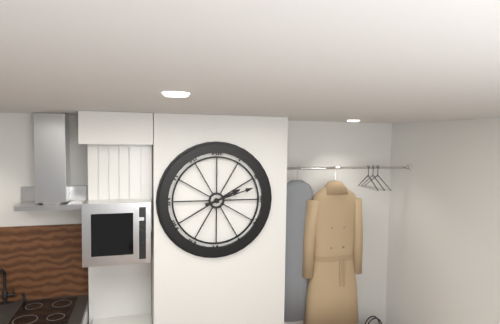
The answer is 2:12
